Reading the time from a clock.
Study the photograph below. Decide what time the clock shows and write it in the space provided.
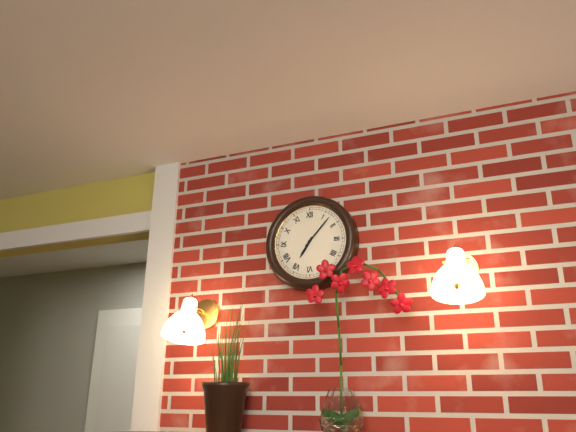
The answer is 7:07
